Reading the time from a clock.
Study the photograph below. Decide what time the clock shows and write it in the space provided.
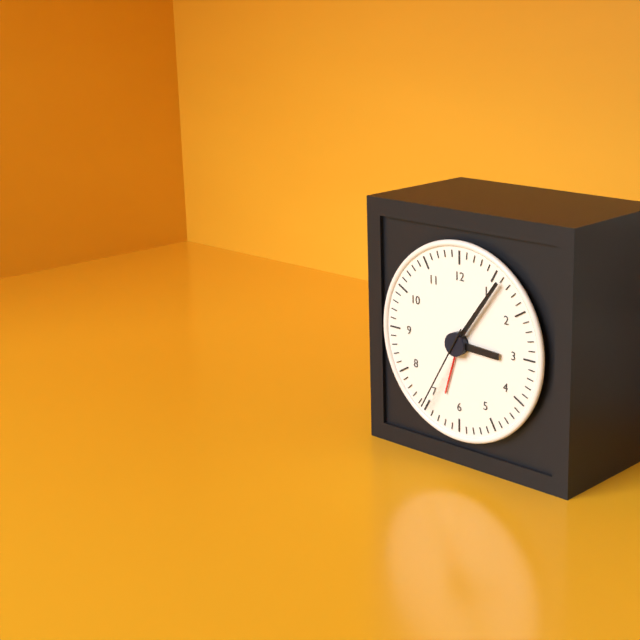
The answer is 3:06:35
